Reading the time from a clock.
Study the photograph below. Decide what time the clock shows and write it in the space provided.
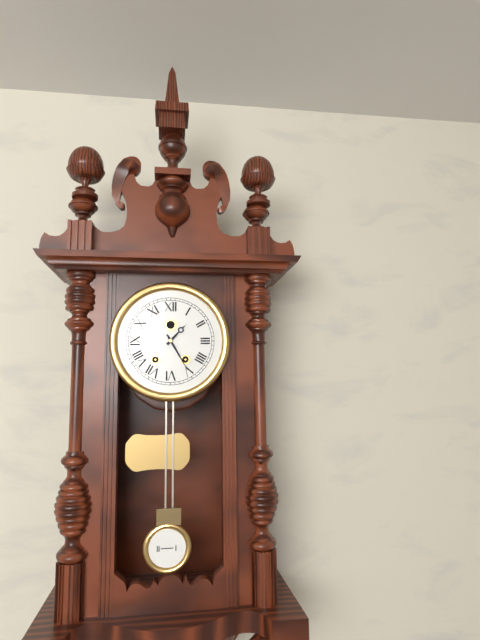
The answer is 1:25
